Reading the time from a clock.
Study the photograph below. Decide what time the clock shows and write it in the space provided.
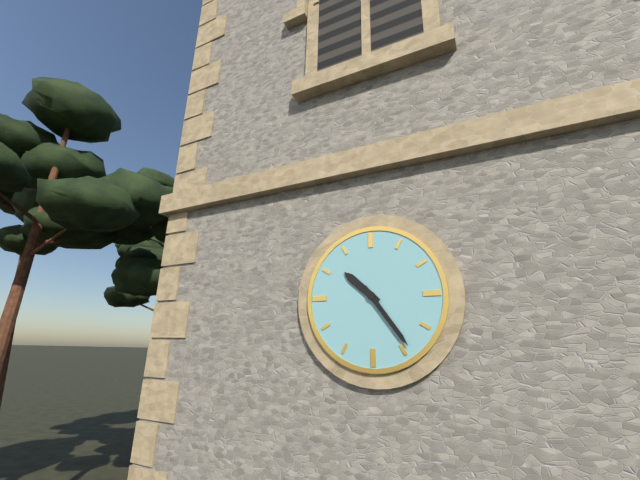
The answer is 10:24
